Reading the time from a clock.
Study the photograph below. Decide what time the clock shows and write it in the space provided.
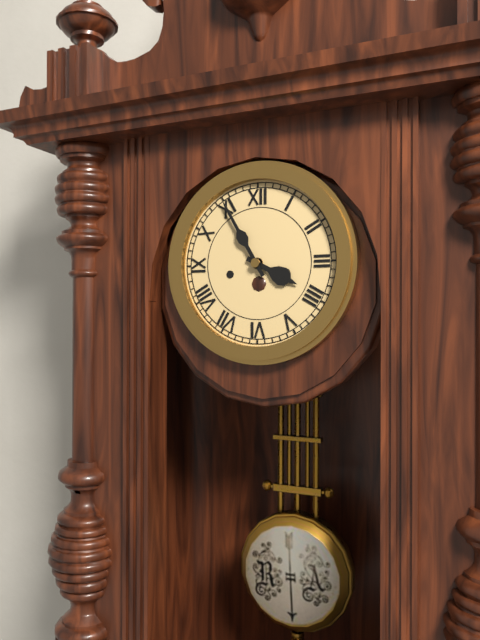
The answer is 3:55
